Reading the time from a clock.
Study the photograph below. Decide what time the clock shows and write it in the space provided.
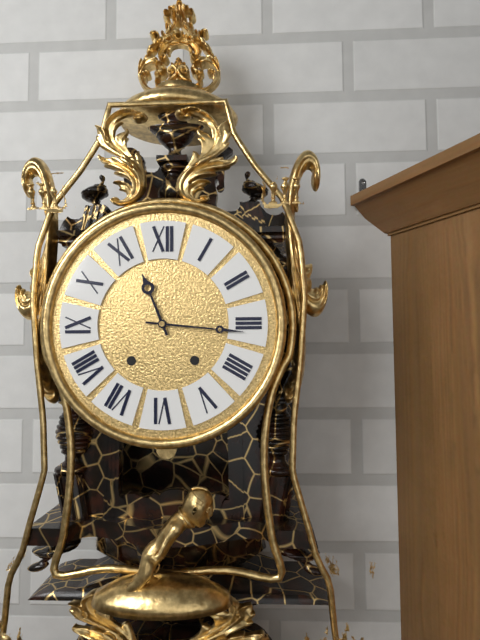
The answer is 11:16
